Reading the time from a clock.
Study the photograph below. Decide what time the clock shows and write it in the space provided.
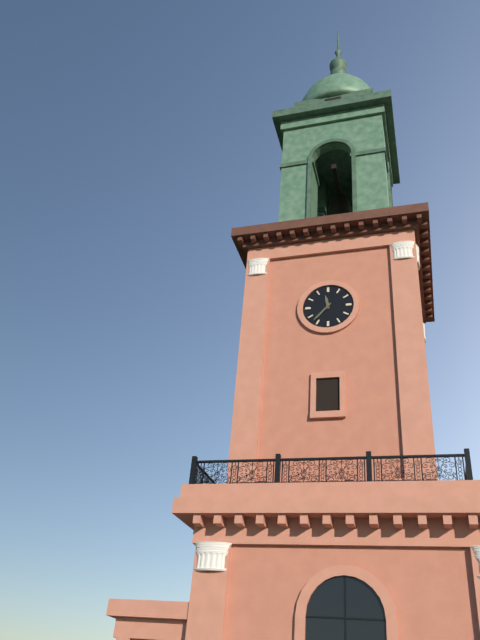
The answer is 11:37
